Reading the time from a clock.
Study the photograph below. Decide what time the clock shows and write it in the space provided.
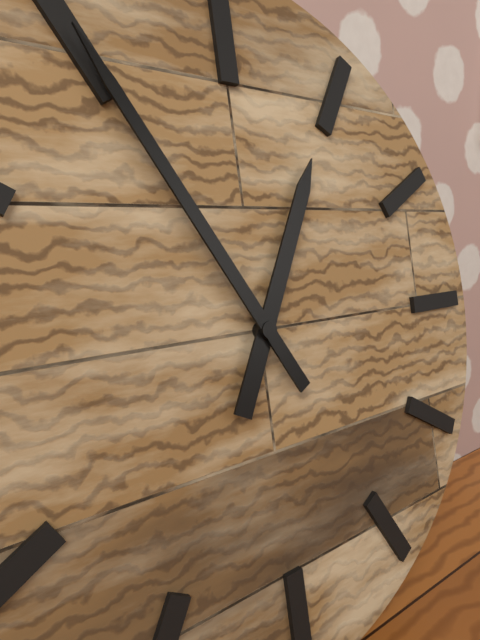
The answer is 12:55
